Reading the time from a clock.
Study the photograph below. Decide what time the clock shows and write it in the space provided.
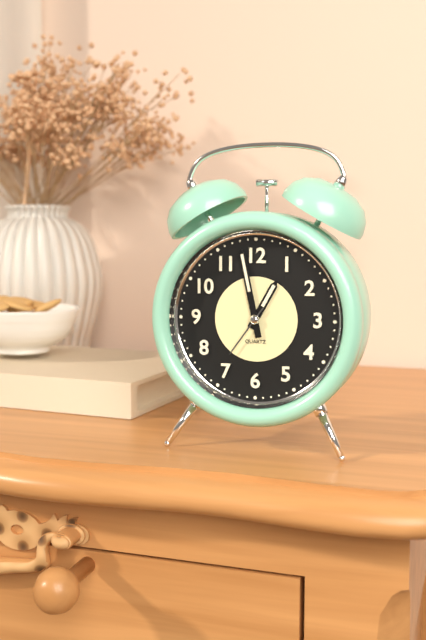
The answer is 12:58:36
